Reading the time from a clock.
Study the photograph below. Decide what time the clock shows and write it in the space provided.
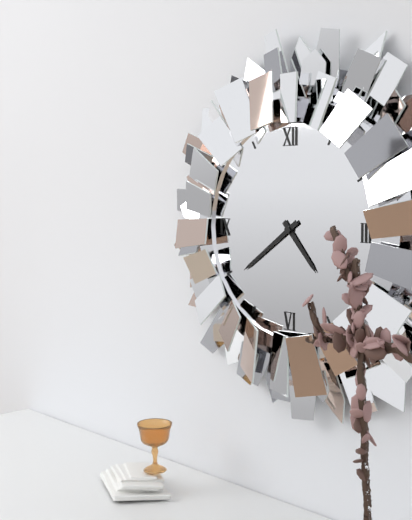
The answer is 4:39
